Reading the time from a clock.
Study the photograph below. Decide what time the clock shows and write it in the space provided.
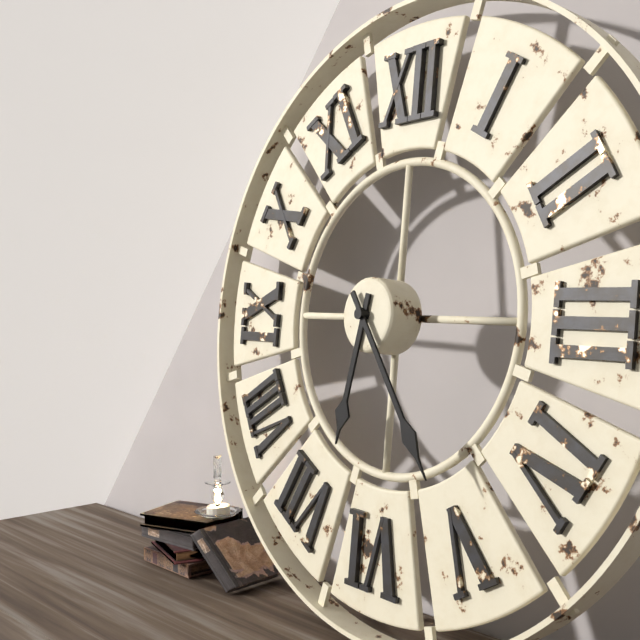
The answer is 6:24
